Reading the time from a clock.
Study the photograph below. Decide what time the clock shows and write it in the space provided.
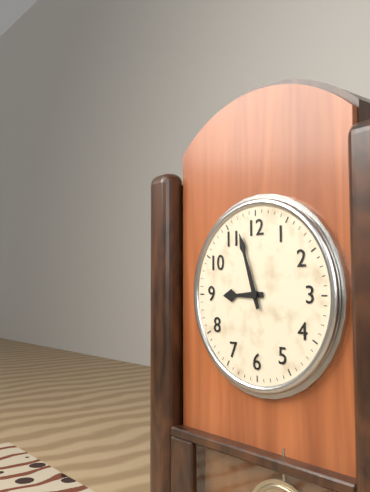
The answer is 8:57
